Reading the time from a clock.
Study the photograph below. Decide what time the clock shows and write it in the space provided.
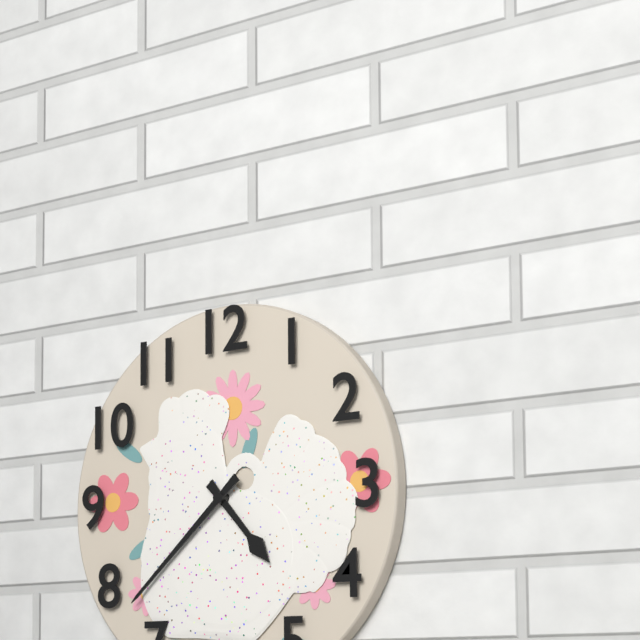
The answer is 4:38
